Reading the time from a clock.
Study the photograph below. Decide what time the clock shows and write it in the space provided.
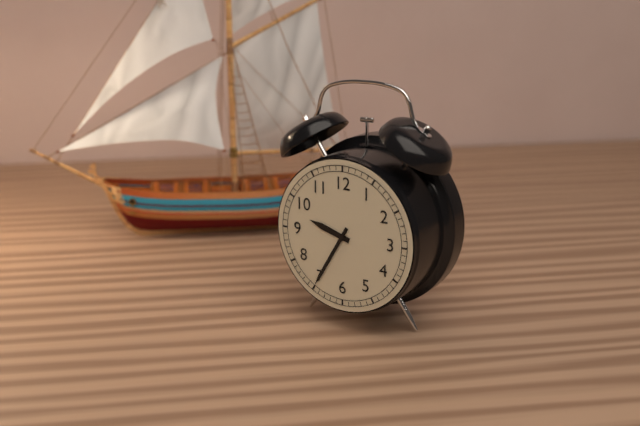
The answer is 9:35
